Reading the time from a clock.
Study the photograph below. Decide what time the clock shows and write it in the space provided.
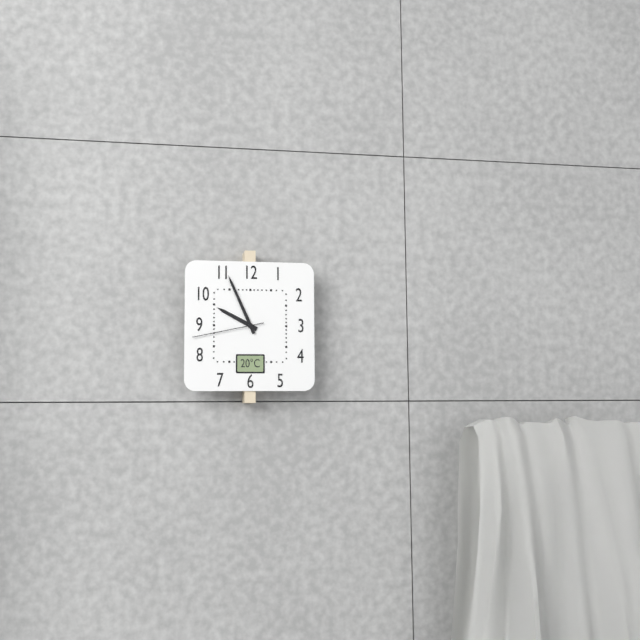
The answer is 9:56:43
